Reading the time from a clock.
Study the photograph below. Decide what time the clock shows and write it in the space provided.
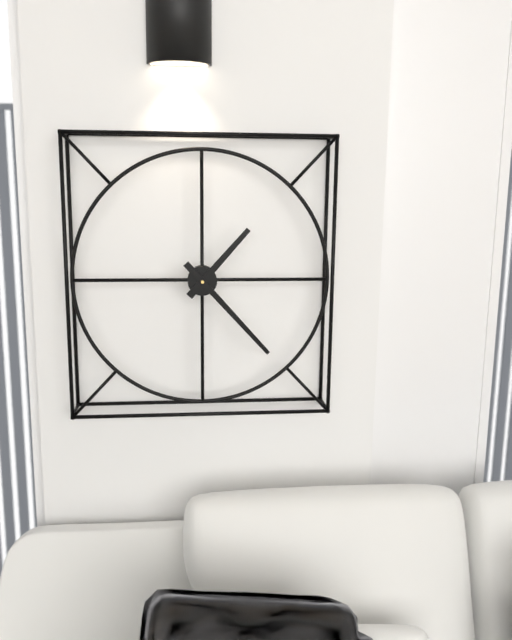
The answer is 1:23
